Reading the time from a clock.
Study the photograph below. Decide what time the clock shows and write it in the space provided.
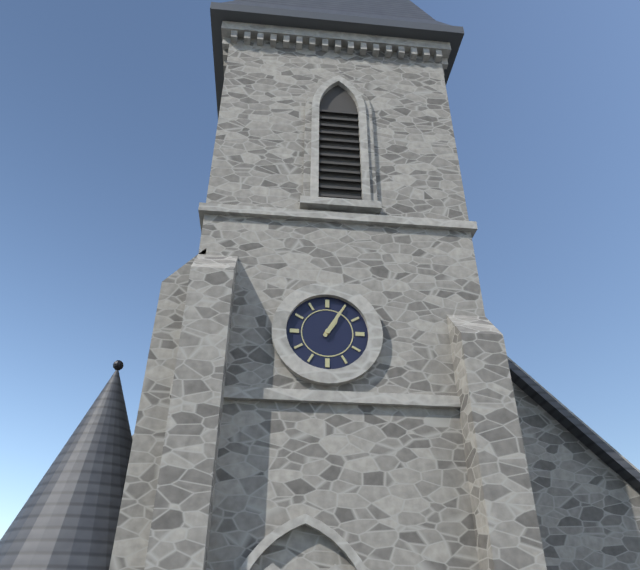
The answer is 1:05
